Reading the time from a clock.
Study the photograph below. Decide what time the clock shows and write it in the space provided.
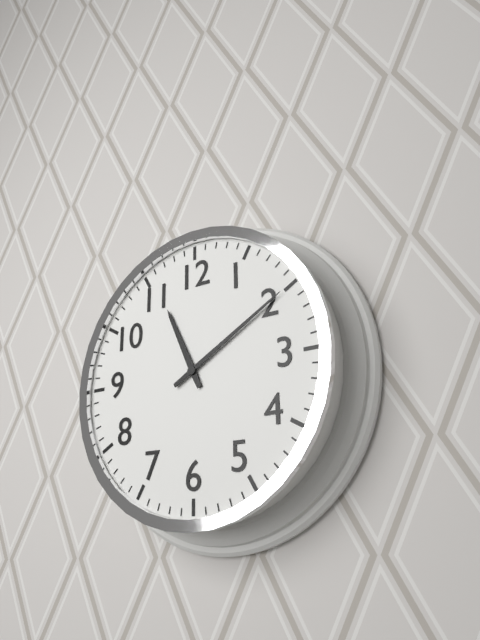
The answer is 11:10
